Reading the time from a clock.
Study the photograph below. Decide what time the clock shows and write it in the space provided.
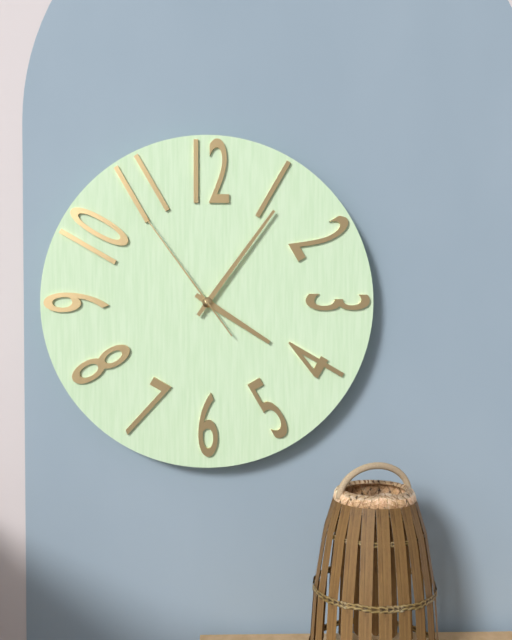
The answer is 4:06:54
